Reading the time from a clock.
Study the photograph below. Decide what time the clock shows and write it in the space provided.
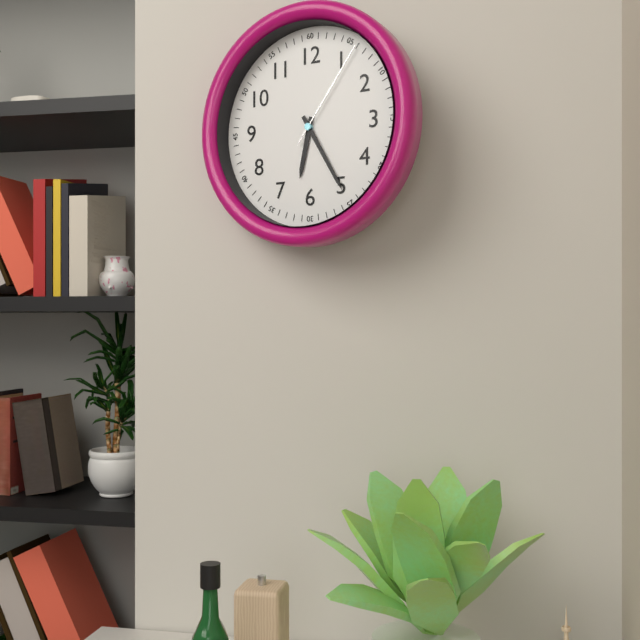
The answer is 6:25:06
